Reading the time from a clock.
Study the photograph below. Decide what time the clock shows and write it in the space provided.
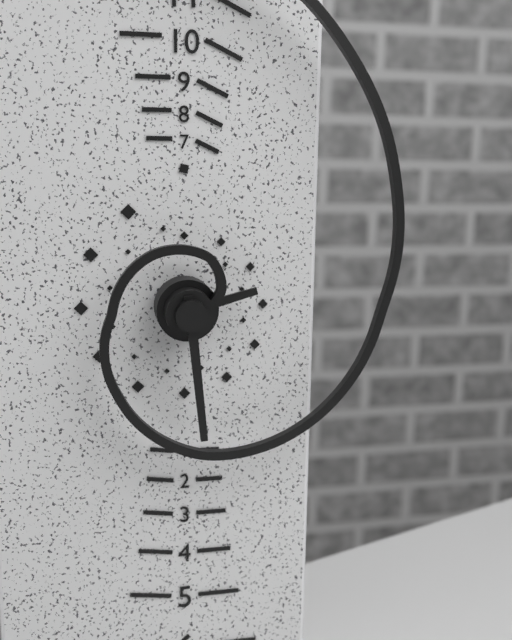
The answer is 2:29
